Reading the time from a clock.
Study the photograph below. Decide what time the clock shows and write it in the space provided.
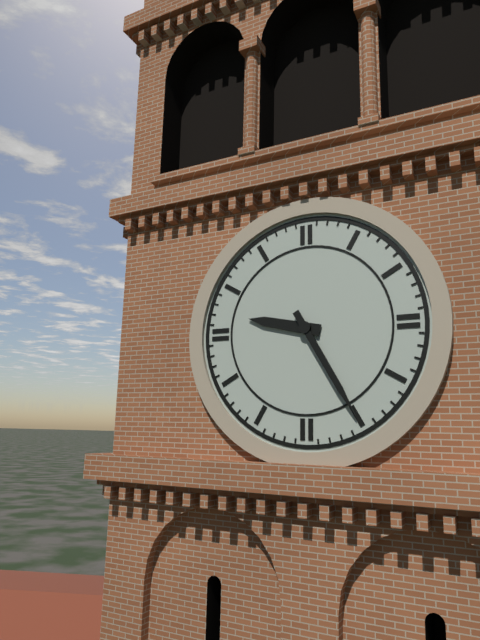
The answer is 9:25
